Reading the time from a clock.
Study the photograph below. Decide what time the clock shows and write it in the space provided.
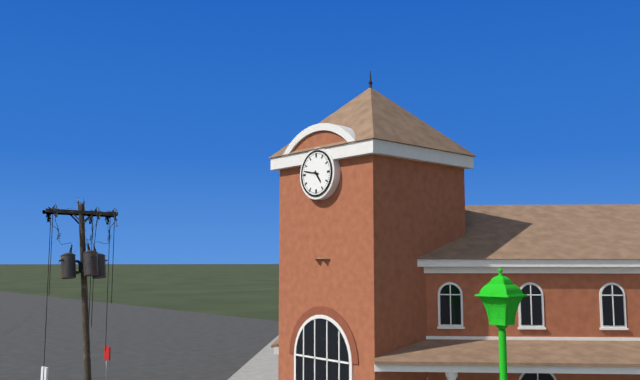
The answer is 4:47
